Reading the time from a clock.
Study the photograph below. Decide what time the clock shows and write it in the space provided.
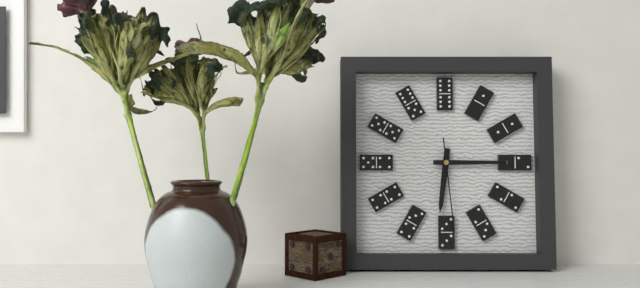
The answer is 6:15:29
